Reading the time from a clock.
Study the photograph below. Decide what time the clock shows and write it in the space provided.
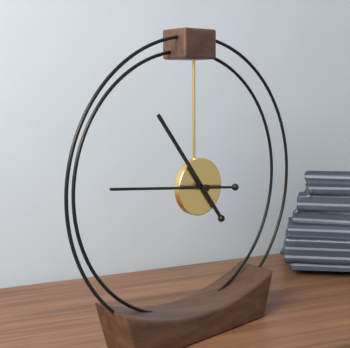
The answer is 10:46
